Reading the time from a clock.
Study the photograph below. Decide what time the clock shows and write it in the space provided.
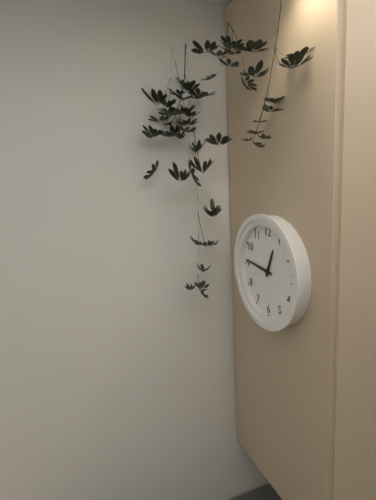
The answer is 12:46
